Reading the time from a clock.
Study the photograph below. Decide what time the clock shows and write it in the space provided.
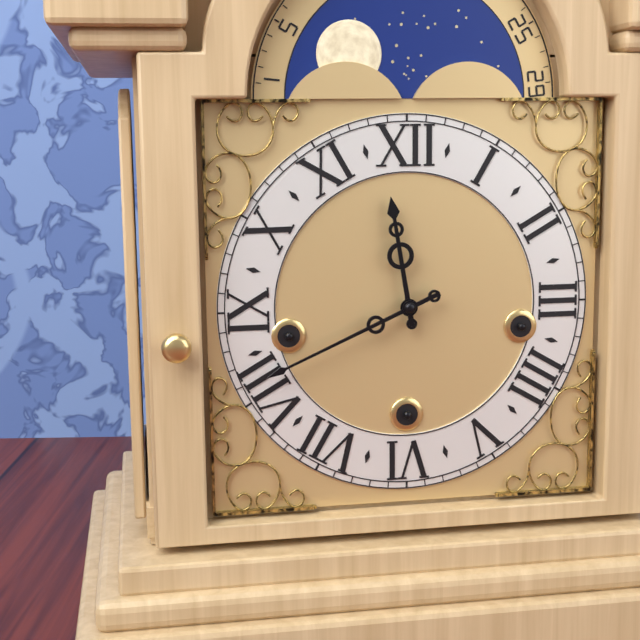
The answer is 11:41
